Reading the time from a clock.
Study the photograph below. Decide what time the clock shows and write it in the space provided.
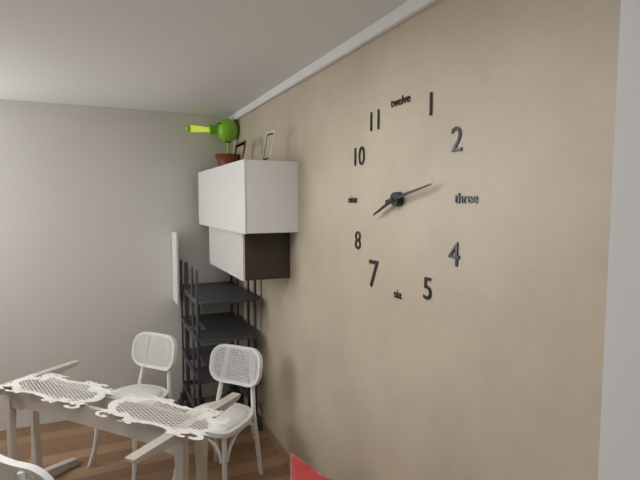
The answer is 8:13
